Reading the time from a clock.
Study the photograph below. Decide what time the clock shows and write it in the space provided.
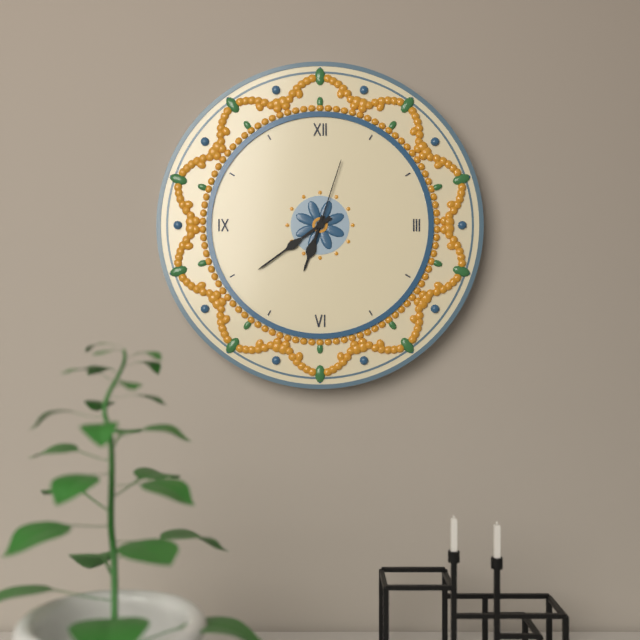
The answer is 6:39:03
